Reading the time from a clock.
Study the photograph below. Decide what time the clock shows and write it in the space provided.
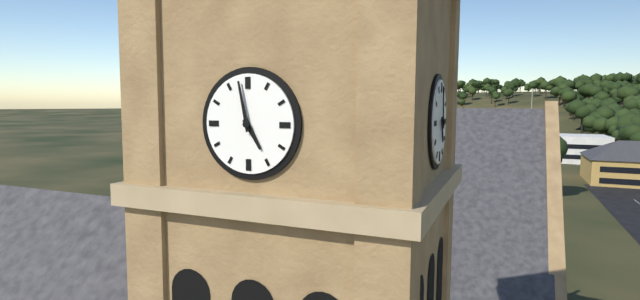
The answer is 4:58
